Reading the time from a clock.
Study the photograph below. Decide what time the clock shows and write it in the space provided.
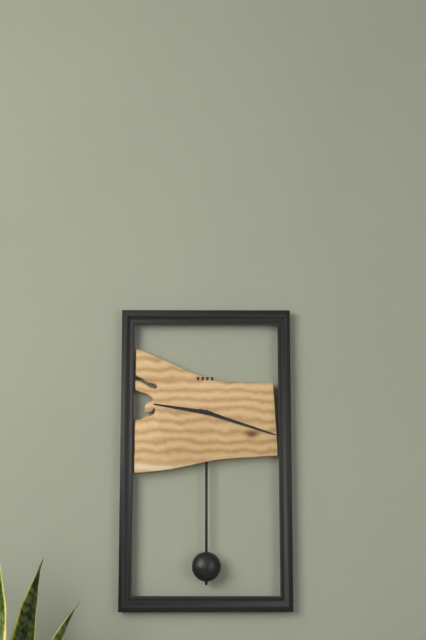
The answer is 9:18
